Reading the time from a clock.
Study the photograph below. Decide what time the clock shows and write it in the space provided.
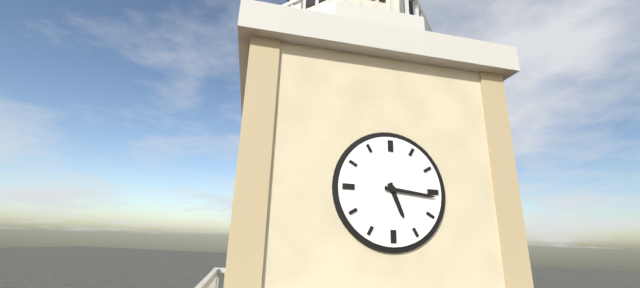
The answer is 5:16
